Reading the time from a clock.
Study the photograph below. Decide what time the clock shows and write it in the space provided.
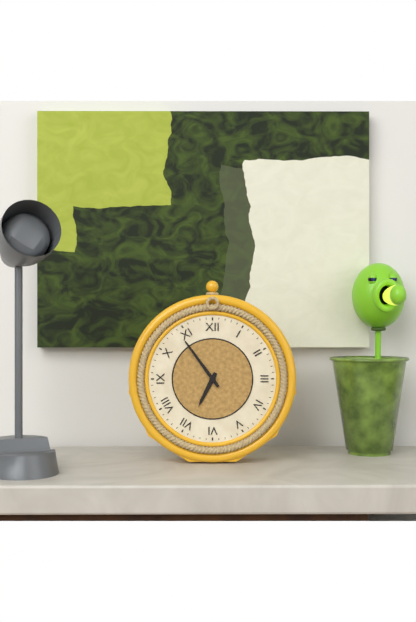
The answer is 6:54
